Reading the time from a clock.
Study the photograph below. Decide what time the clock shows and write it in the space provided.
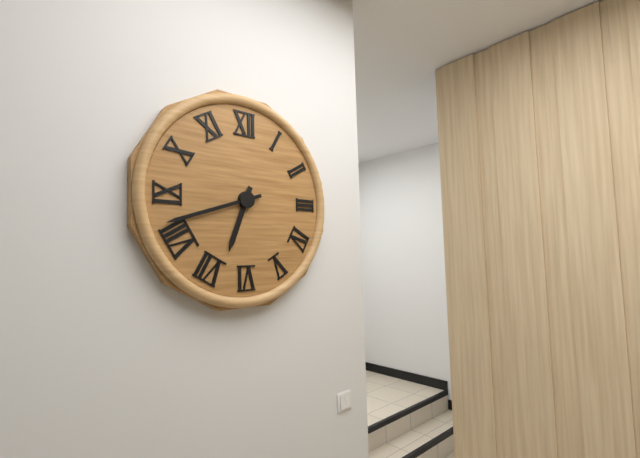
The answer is 6:42
